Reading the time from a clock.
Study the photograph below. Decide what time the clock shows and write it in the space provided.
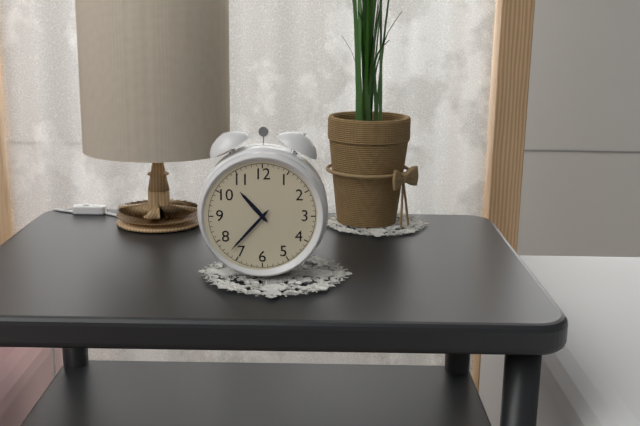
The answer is 10:37
